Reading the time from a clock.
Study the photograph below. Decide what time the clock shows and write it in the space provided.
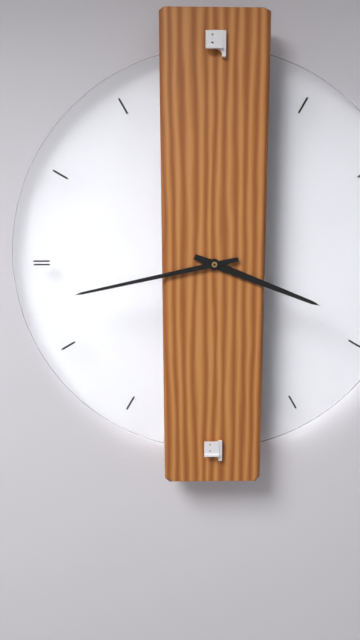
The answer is 3:43
